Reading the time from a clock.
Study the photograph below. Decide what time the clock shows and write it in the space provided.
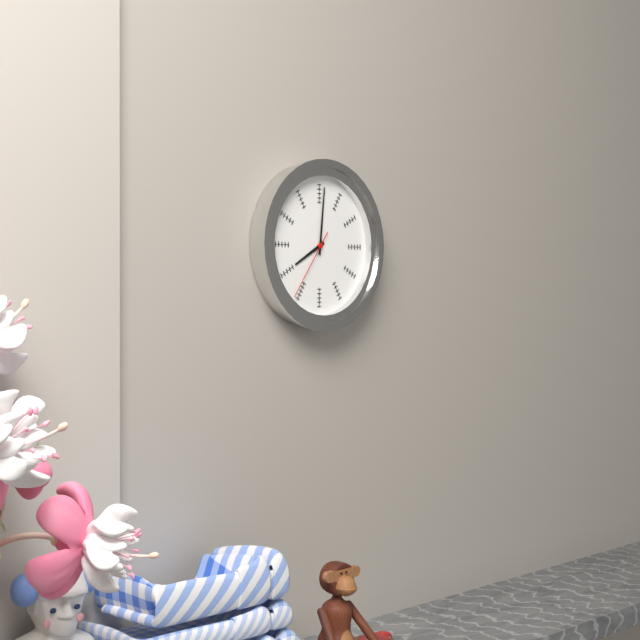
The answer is 8:01:36
